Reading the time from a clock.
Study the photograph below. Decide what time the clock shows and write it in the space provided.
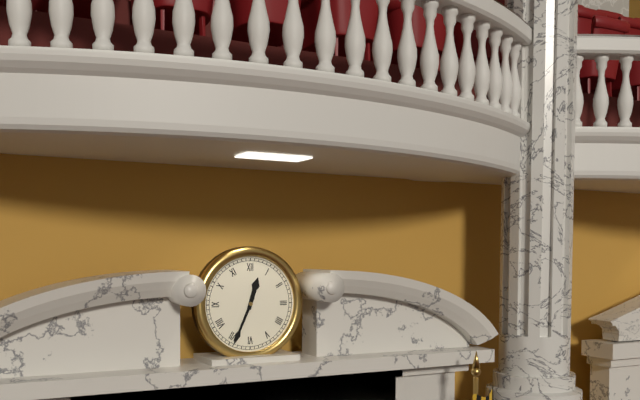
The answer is 12:34
